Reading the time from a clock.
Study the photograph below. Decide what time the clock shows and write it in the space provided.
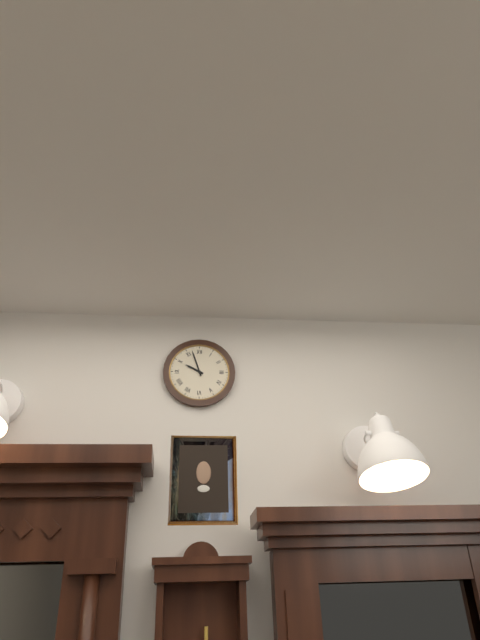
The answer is 9:57
